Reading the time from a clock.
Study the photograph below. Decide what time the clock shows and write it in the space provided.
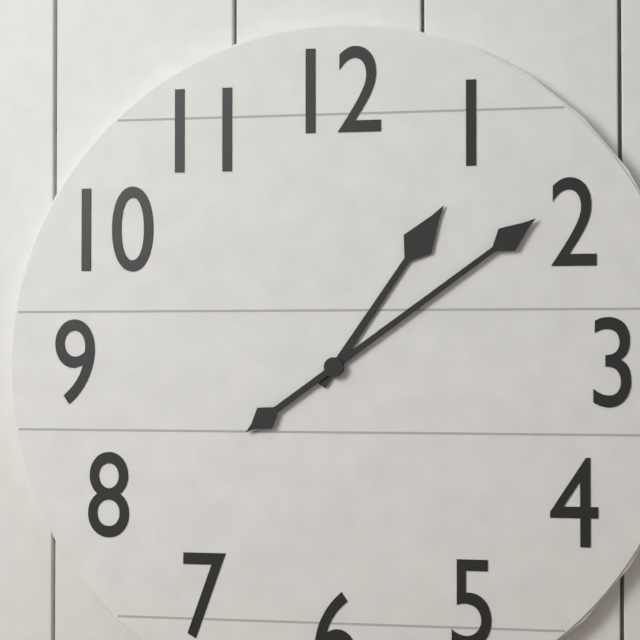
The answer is 1:09
